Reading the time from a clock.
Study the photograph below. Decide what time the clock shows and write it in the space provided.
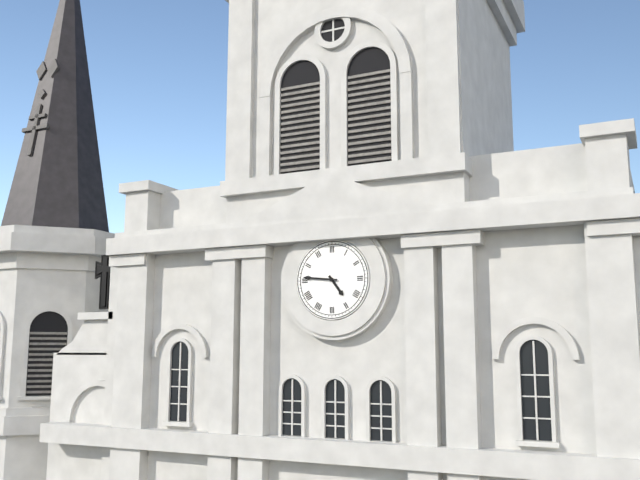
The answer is 4:46
